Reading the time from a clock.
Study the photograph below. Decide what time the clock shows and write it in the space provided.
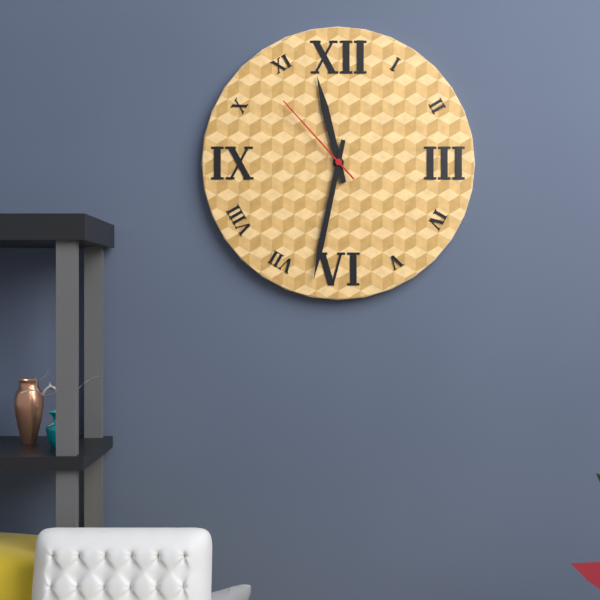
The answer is 11:32:53
